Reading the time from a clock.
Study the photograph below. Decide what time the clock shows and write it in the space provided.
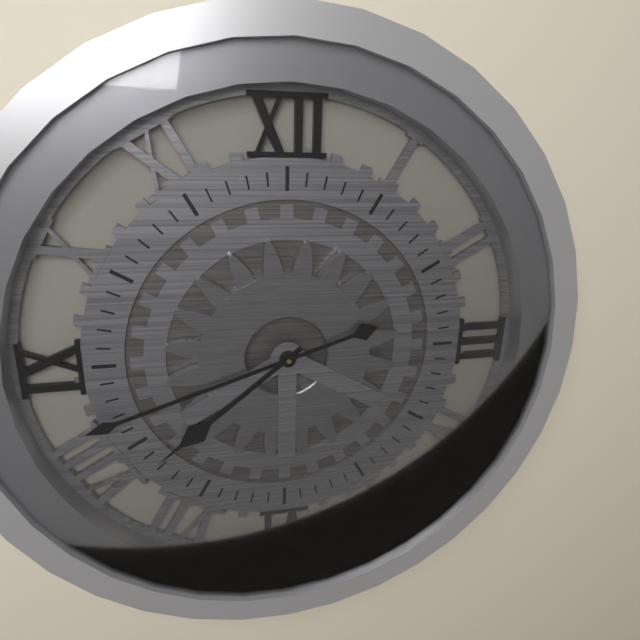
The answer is 7:42
